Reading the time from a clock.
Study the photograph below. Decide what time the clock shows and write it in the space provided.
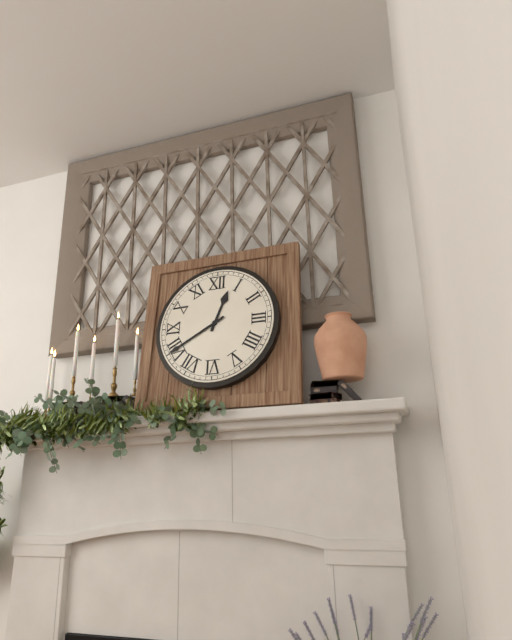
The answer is 12:40
